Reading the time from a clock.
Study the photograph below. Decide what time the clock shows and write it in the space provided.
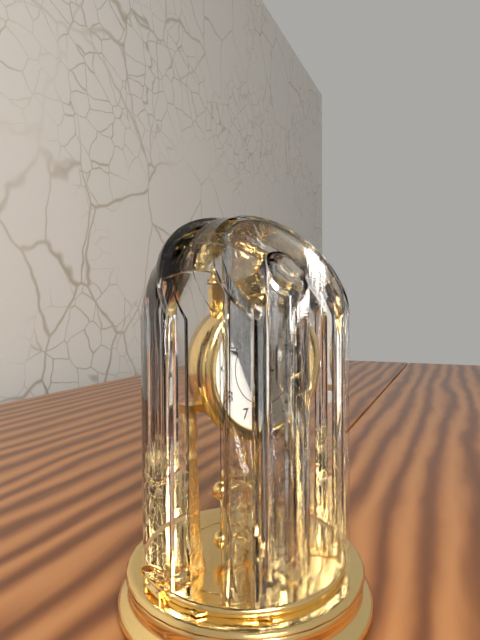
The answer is 6:49
